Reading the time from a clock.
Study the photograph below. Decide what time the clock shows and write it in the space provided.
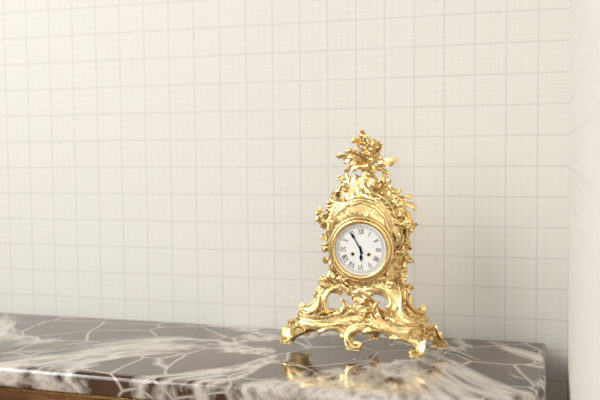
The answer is 5:55
